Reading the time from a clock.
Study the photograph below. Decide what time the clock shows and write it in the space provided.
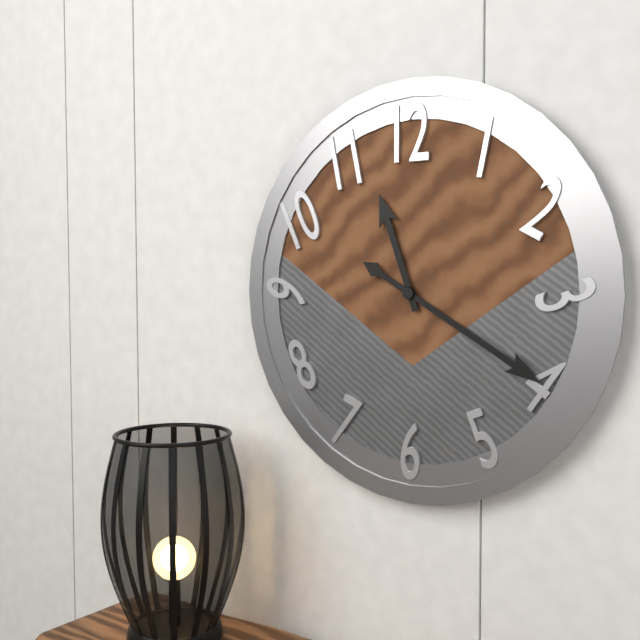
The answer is 11:20
